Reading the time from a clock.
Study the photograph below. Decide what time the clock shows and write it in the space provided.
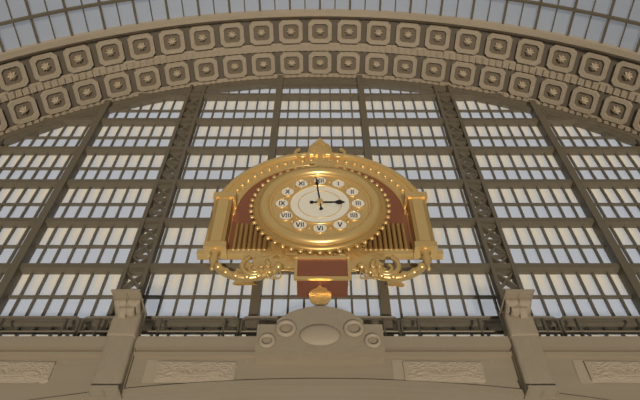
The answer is 2:59
